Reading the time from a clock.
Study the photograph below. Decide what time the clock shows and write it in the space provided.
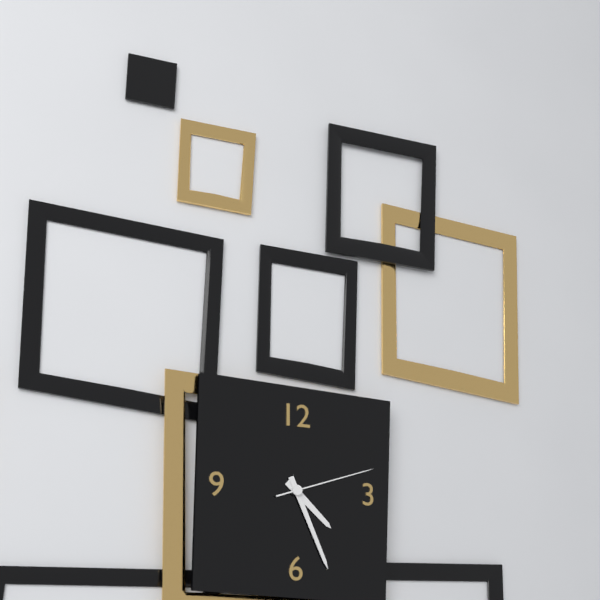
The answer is 4:26:12
